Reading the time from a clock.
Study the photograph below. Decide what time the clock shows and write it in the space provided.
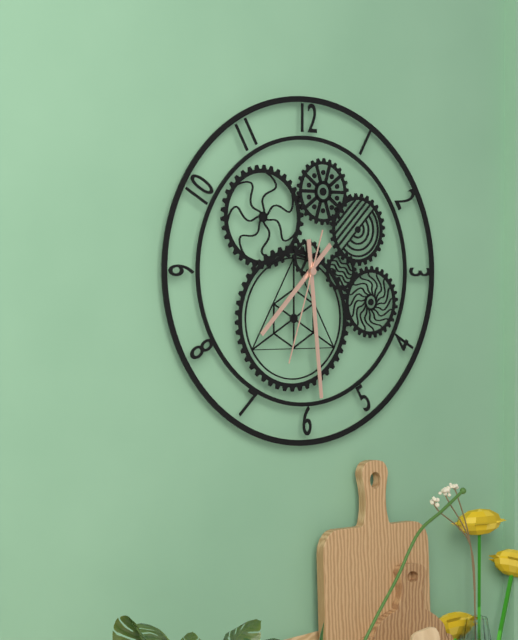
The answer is 7:29:33
